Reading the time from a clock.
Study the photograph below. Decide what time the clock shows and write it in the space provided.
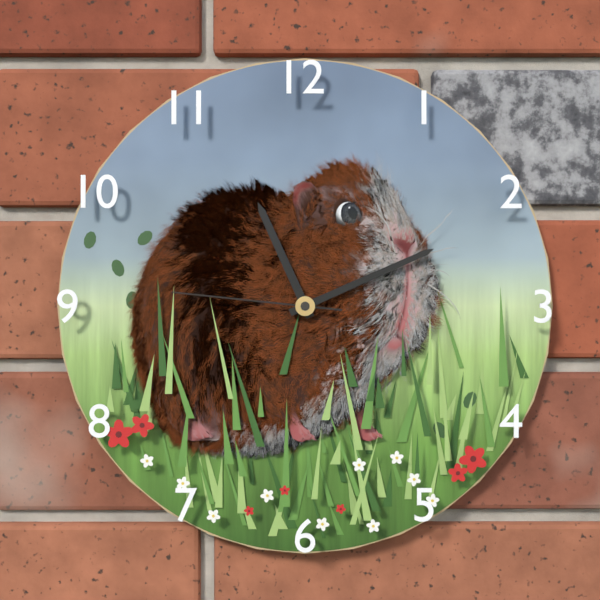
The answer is 11:11:46
